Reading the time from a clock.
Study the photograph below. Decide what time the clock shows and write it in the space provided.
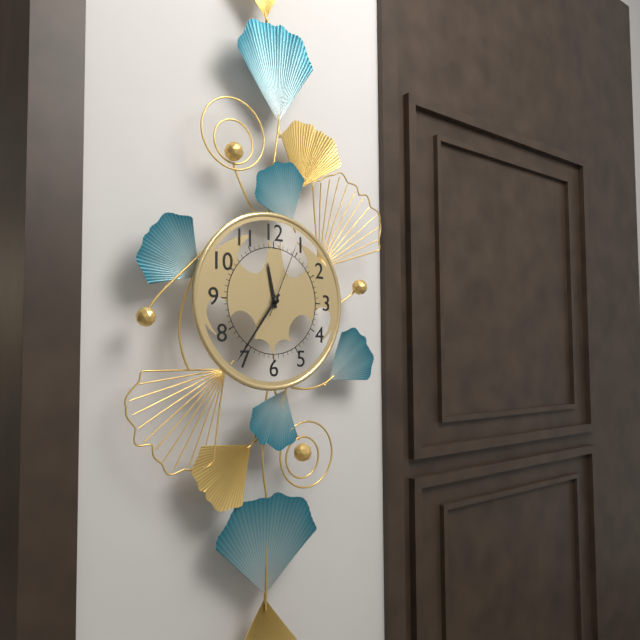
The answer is 11:36:04
